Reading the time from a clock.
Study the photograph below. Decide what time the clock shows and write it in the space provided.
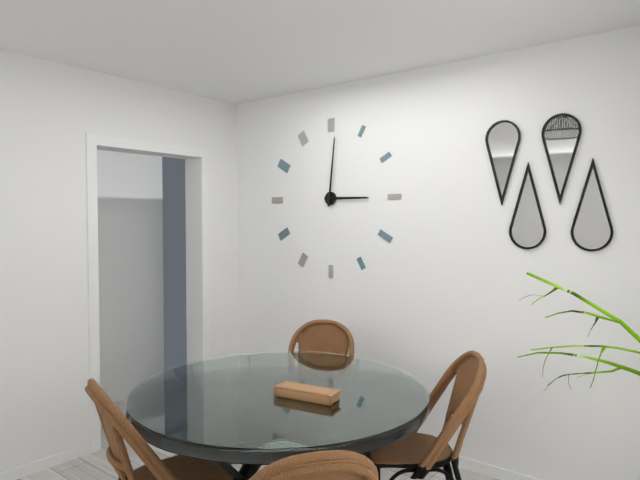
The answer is 3:01
